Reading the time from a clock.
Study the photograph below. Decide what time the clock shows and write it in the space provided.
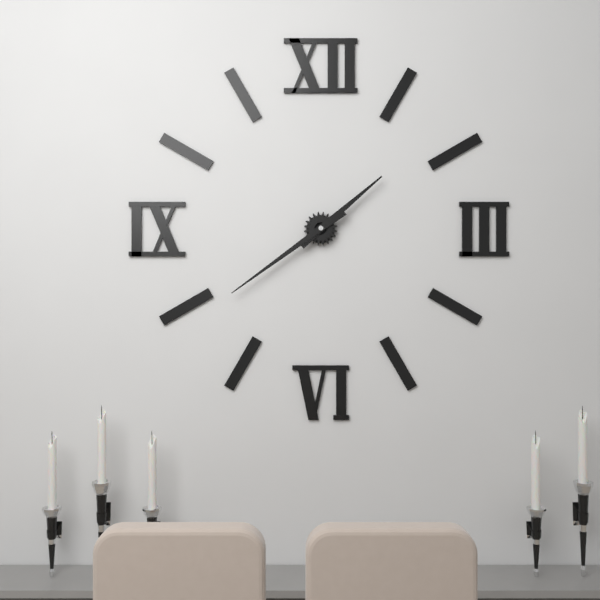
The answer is 1:39
